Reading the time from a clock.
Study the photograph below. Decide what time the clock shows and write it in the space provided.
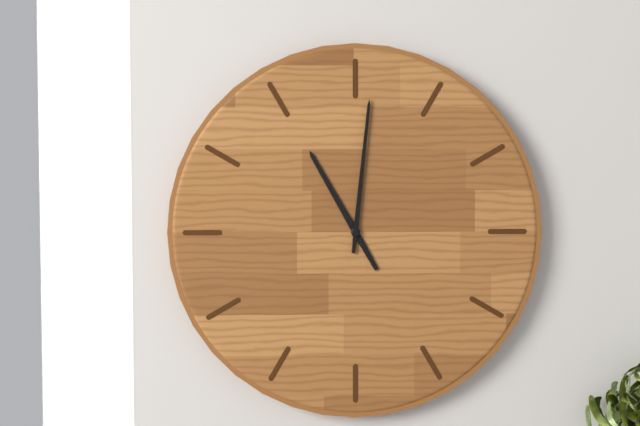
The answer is 11:01
